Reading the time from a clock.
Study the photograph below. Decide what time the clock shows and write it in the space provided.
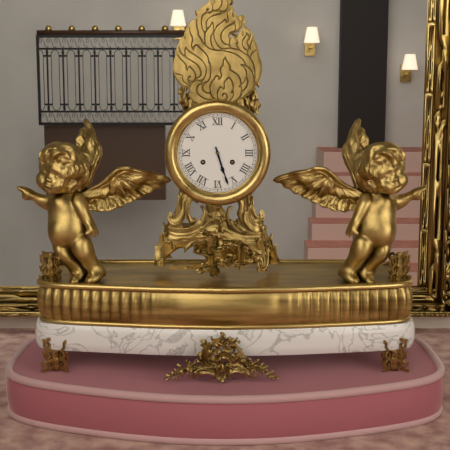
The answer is 5:27
